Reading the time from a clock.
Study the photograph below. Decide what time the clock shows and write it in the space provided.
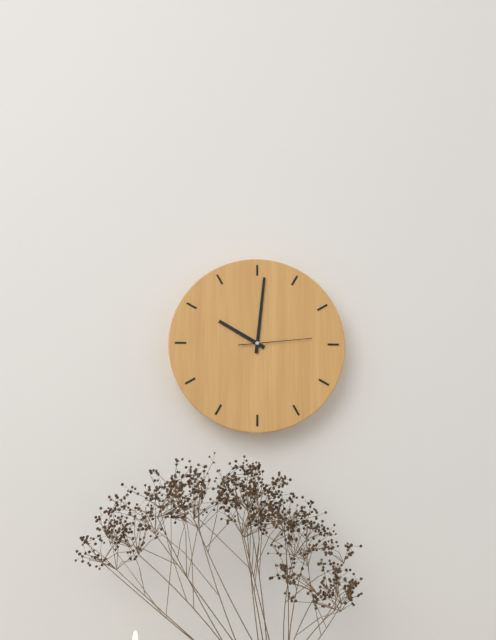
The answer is 10:01:14
